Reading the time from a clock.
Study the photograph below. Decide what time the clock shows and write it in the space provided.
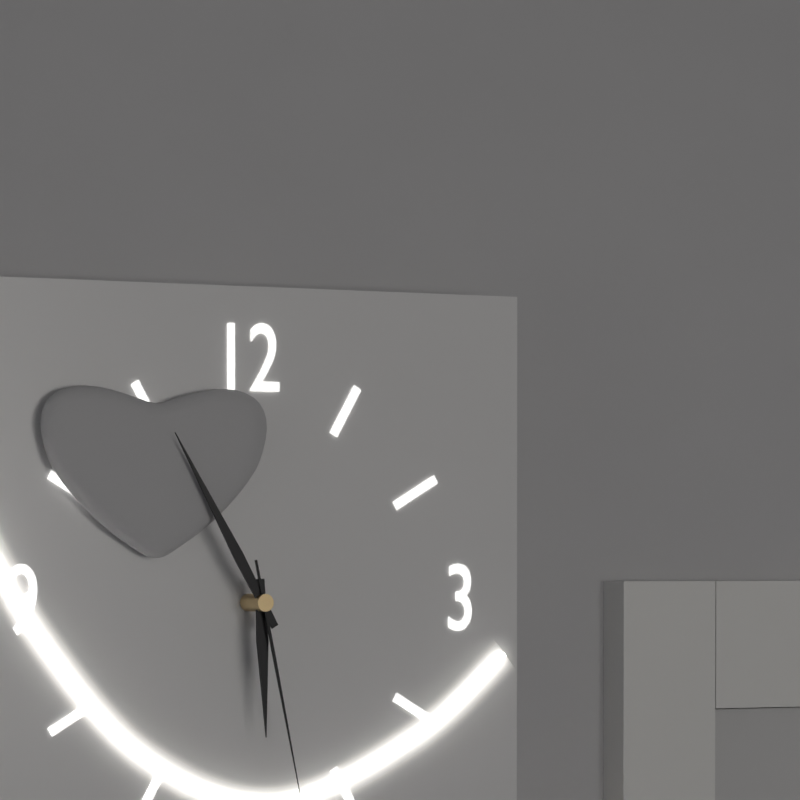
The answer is 5:55
